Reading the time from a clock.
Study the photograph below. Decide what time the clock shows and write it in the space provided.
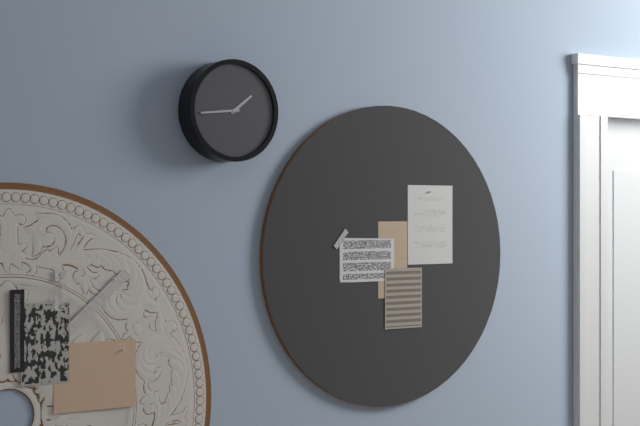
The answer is 1:44
